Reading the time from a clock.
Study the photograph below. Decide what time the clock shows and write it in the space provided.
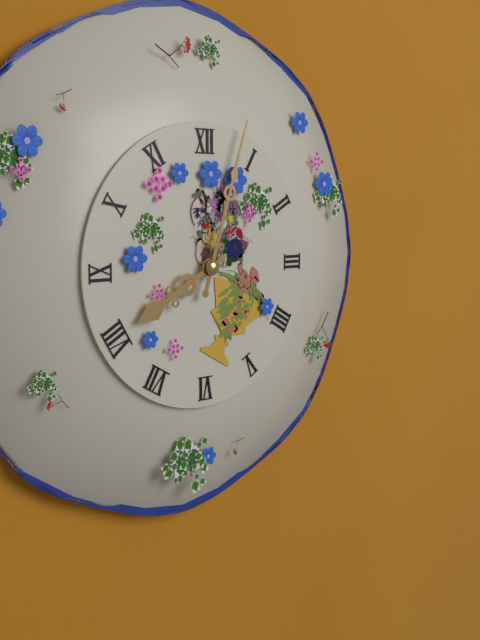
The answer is 8:03
